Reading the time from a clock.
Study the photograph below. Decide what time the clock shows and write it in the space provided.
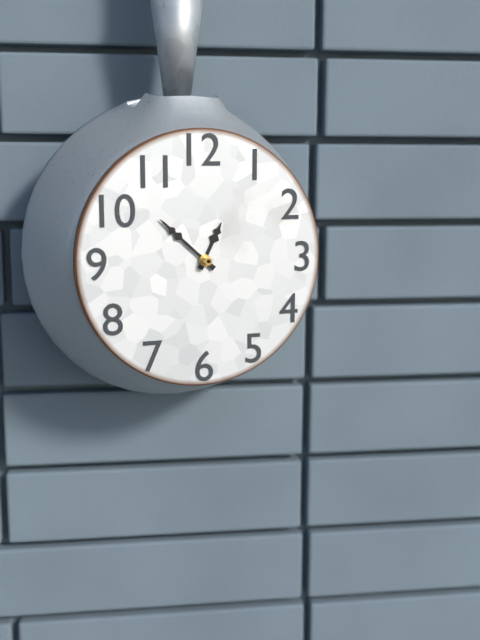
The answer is 12:52
